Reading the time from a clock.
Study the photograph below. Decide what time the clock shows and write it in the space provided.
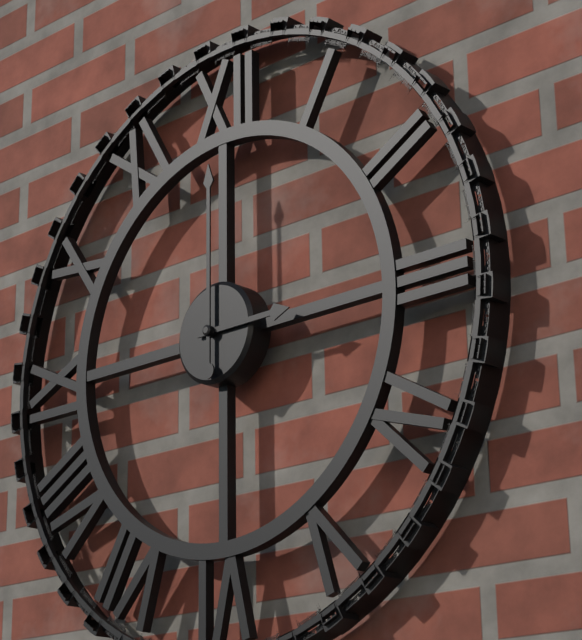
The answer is 3:00
